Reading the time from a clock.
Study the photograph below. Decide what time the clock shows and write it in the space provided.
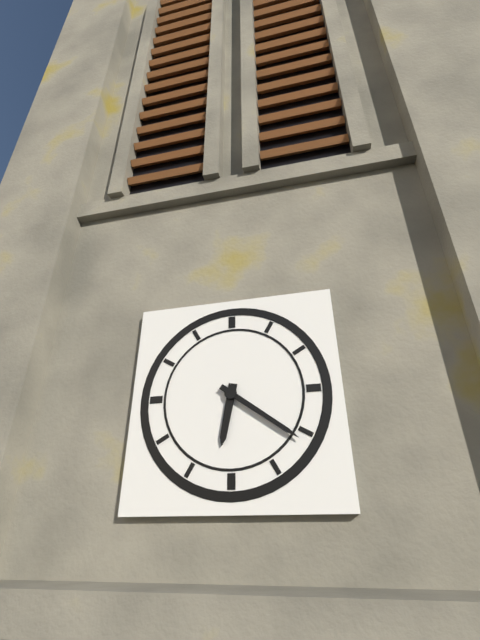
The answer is 6:21
